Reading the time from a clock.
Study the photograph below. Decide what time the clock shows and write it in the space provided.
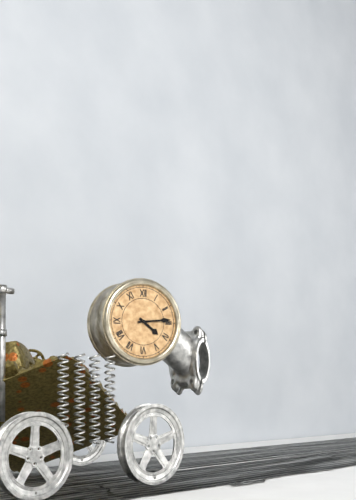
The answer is 4:14
